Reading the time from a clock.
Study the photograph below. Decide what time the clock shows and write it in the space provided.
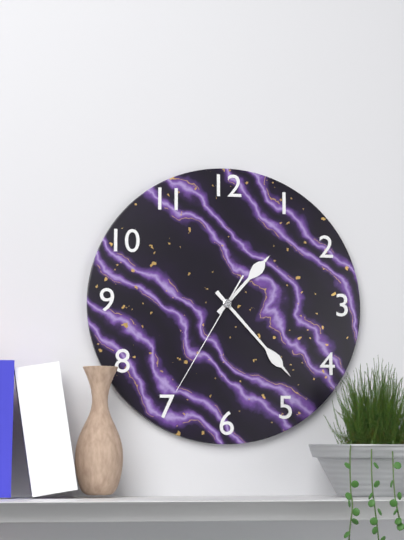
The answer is 1:23:35
